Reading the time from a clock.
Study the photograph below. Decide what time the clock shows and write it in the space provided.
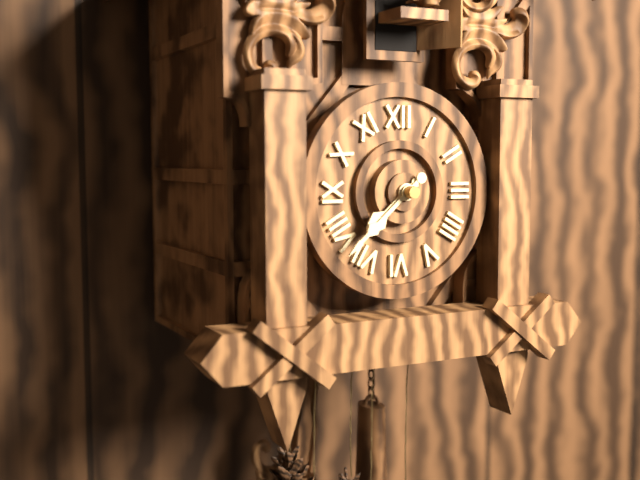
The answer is 7:38
